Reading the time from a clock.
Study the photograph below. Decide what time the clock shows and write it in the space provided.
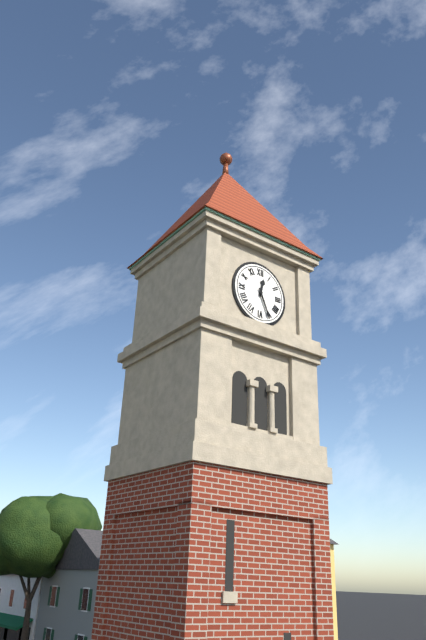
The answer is 12:26
